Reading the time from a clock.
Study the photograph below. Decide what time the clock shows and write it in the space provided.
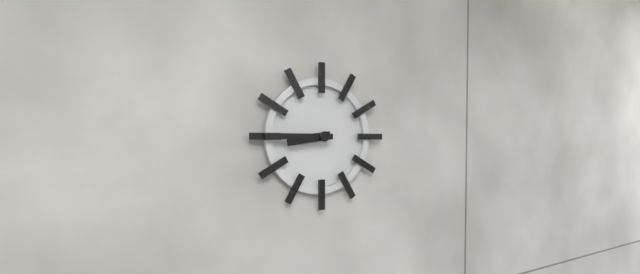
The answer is 8:45
